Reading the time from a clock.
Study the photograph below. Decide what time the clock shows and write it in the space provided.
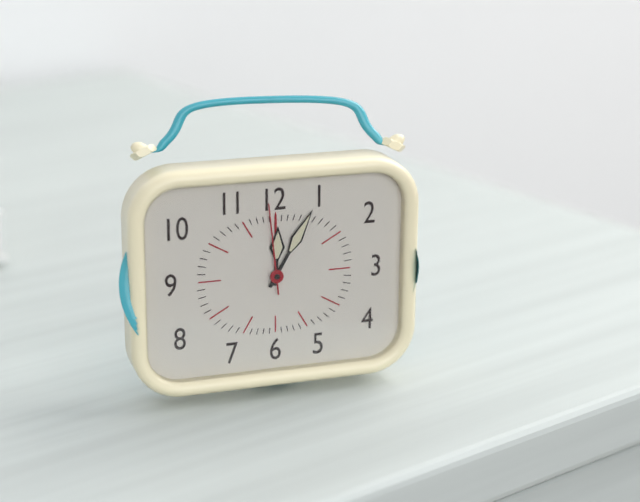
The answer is 12:05:59
